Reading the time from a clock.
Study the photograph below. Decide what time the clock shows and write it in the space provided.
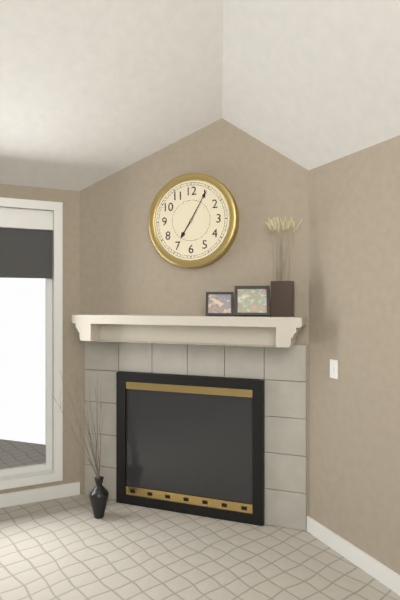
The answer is 7:05
